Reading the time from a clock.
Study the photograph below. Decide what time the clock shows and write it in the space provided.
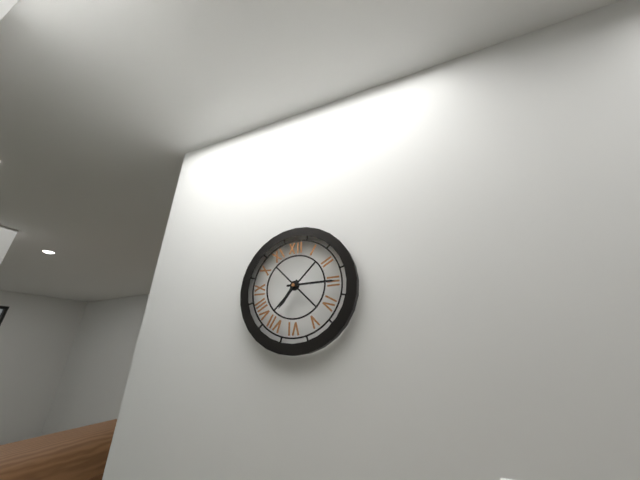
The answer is 7:15
